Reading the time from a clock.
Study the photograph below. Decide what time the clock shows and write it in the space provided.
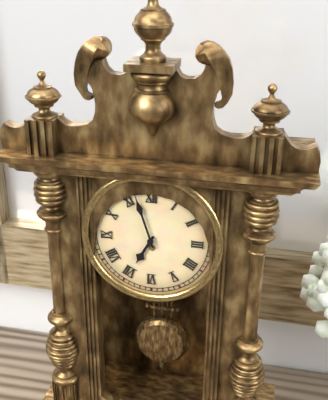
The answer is 6:57
